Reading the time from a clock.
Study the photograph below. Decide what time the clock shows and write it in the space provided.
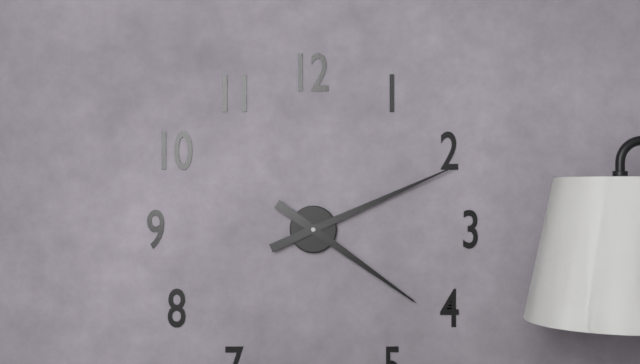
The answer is 4:11
